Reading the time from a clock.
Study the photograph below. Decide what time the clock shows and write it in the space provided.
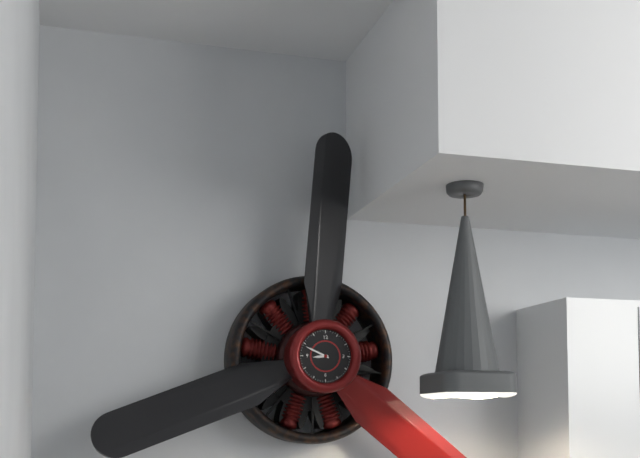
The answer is 8:49
